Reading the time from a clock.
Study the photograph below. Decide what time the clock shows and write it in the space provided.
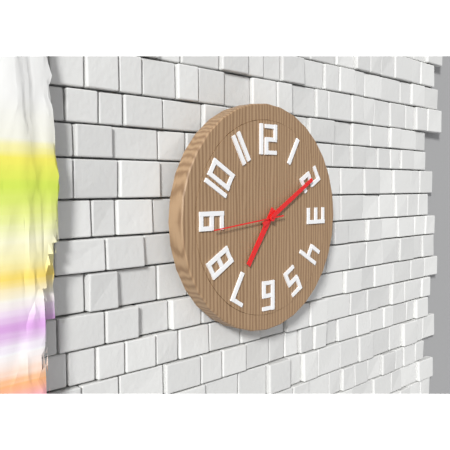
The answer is 7:10:44
